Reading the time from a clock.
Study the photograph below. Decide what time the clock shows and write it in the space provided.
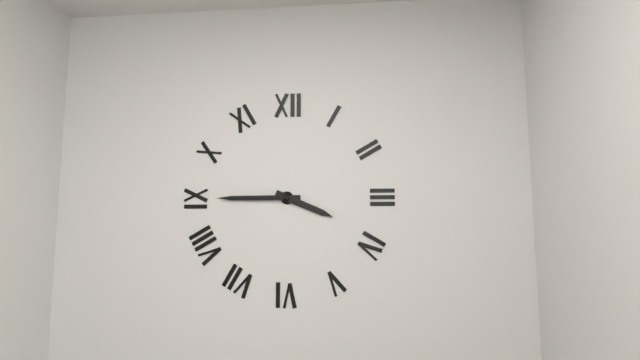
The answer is 3:45
